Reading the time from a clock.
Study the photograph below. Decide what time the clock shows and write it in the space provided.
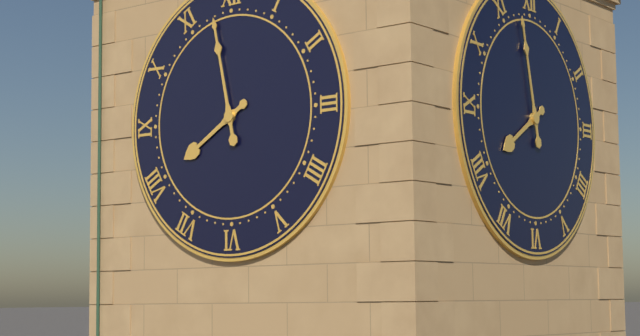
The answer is 7:58
